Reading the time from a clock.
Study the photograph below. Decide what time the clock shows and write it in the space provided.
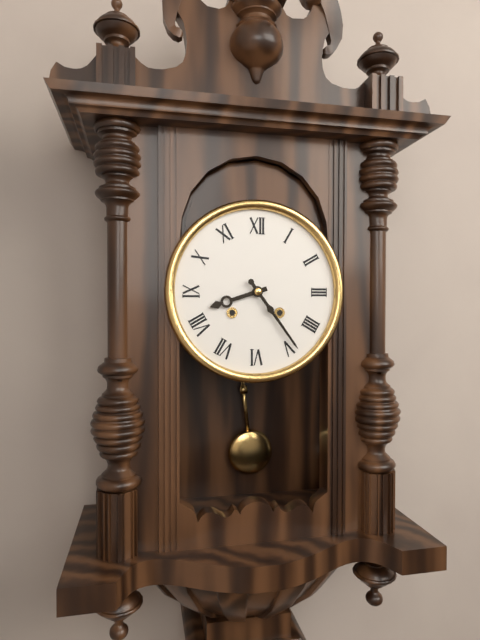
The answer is 8:24
